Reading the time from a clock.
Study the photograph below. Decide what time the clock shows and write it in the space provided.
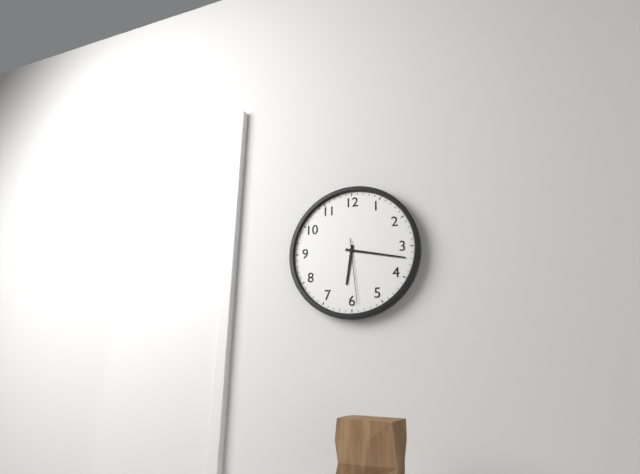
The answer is 6:17:29
